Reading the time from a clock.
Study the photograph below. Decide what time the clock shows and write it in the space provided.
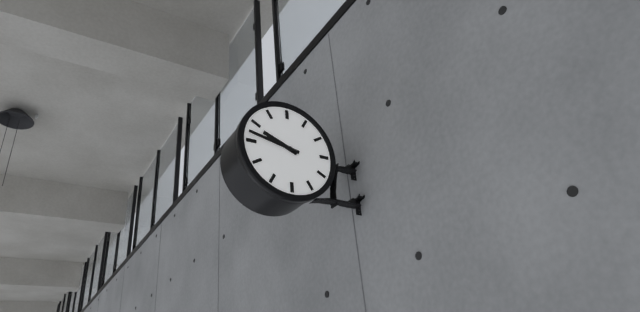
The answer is 9:47
